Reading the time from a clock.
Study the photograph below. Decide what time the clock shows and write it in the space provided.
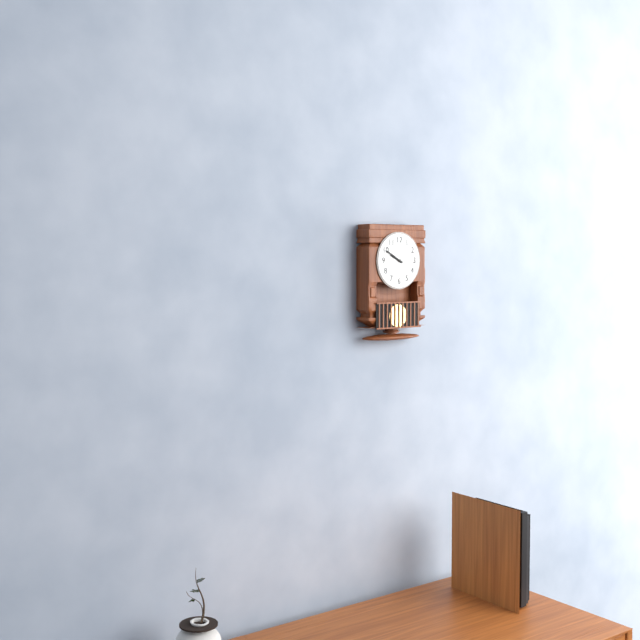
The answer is 9:50
